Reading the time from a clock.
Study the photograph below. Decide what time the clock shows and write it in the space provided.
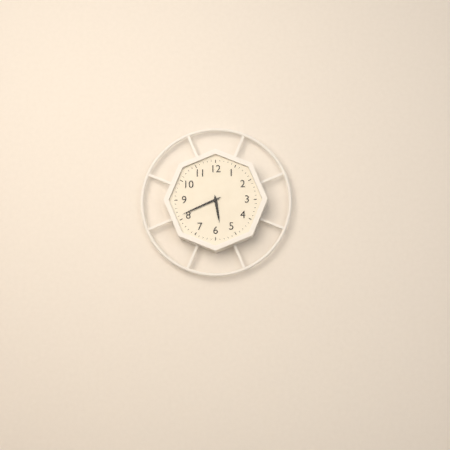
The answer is 5:41
